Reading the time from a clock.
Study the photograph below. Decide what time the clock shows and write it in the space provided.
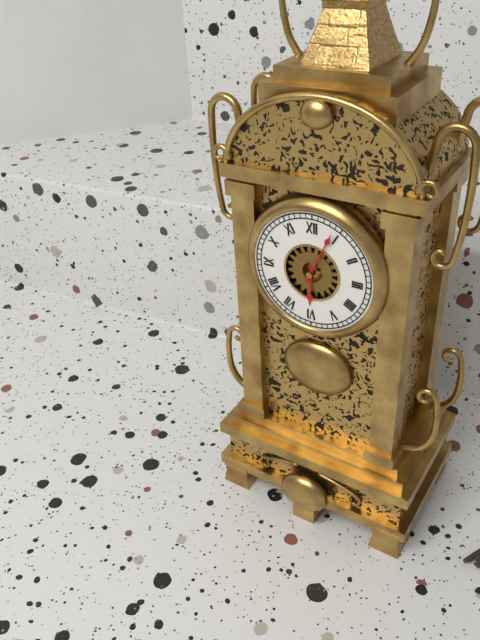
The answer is 6:04
